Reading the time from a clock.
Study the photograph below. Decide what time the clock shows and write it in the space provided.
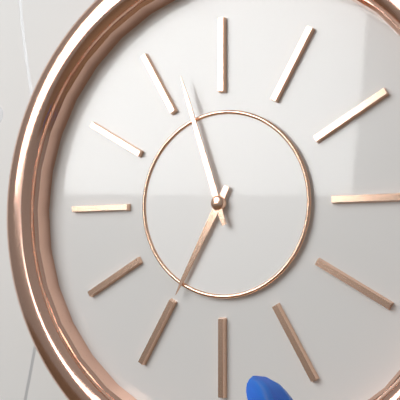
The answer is 6:57
